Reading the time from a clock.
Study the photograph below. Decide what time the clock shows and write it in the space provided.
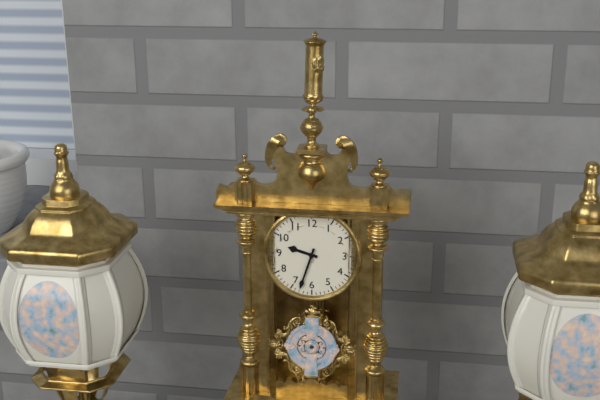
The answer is 9:33
